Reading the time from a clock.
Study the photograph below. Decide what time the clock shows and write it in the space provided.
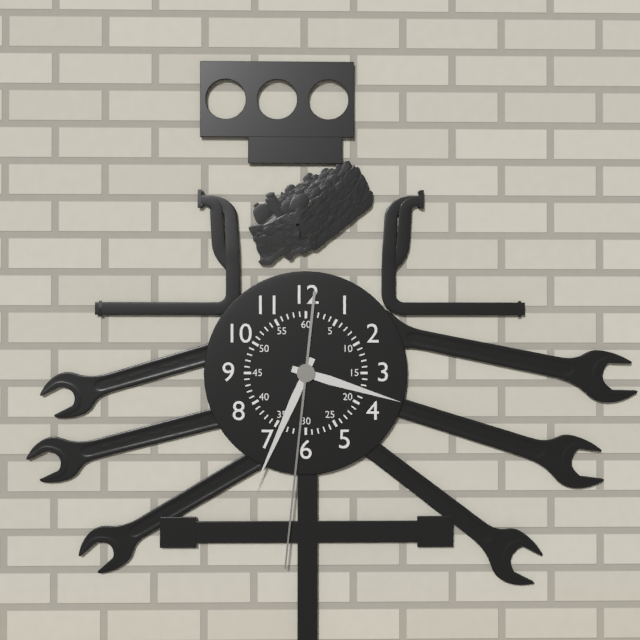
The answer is 3:34:31
